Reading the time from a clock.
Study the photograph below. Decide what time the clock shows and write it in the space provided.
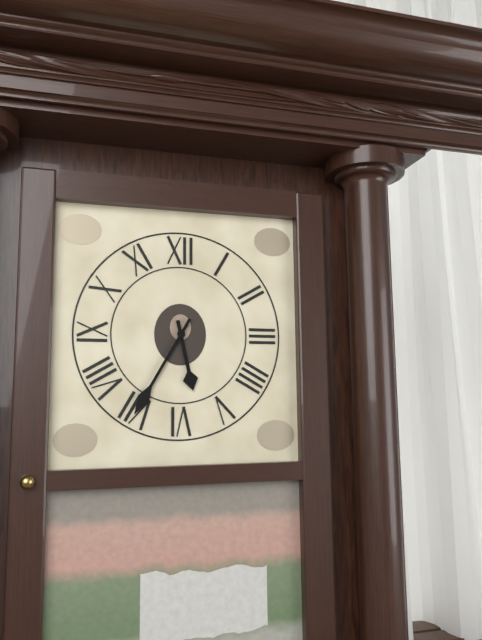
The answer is 5:35
